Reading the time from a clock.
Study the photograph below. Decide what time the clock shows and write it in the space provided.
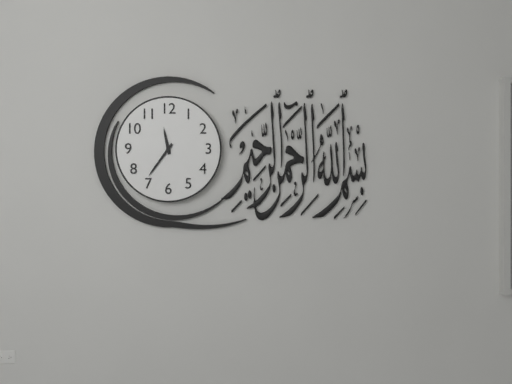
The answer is 11:36
